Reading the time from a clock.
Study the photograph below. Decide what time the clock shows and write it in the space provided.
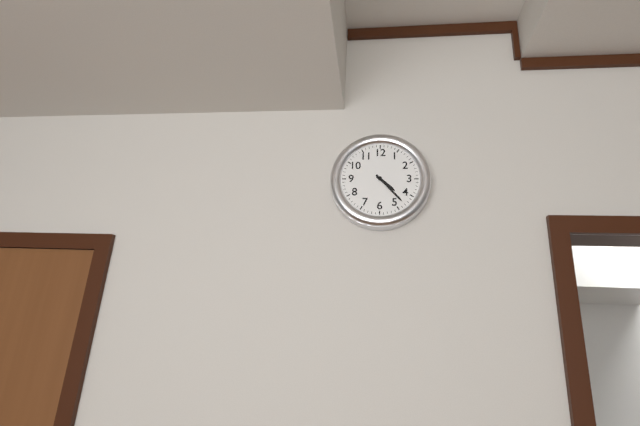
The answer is 4:23
